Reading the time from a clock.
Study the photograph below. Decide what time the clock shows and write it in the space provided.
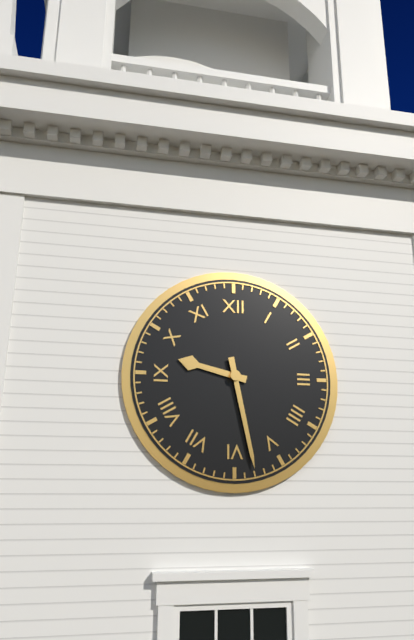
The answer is 9:28
